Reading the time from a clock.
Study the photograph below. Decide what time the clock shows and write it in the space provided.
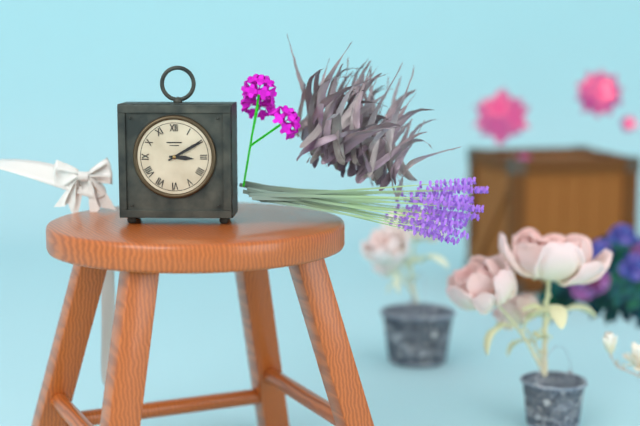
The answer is 3:10
